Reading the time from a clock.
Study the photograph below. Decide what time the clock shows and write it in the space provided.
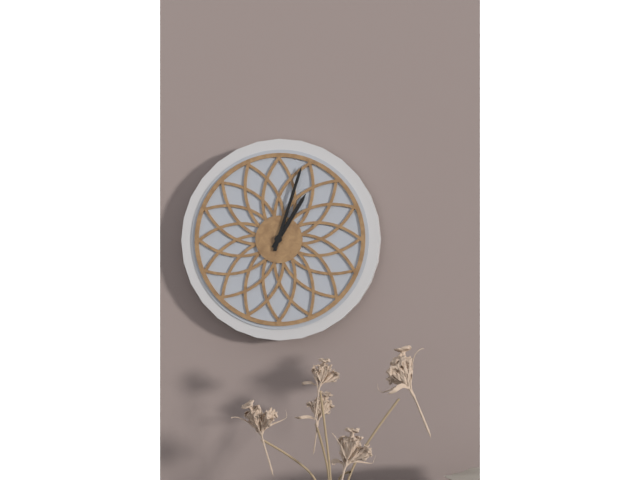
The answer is 1:03
